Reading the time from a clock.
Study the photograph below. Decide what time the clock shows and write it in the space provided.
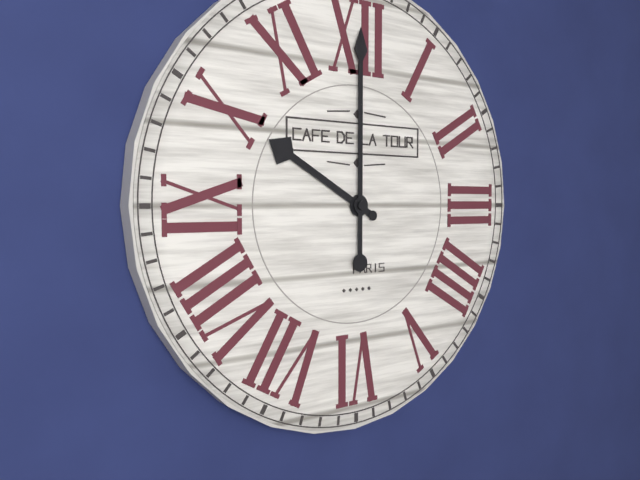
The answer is 10:00
